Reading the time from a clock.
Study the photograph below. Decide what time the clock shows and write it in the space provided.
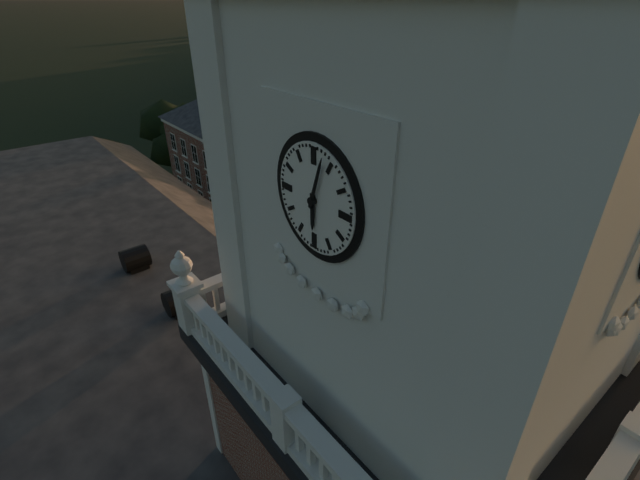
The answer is 6:03
